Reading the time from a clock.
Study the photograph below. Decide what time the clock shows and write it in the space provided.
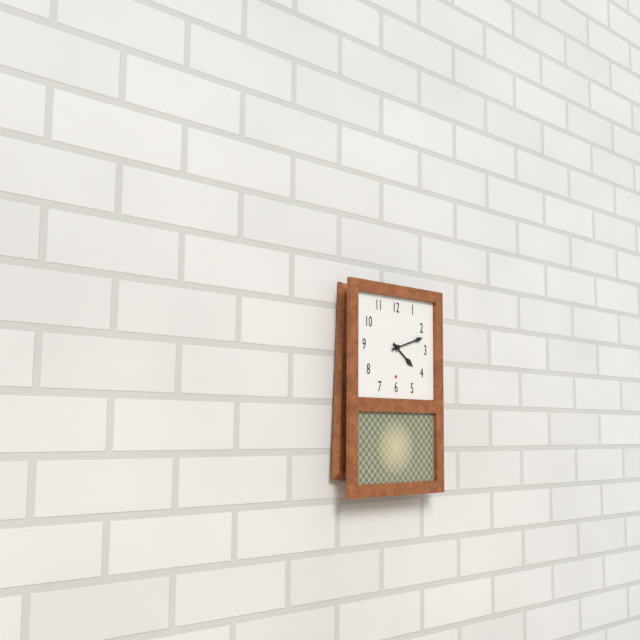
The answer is 4:12
